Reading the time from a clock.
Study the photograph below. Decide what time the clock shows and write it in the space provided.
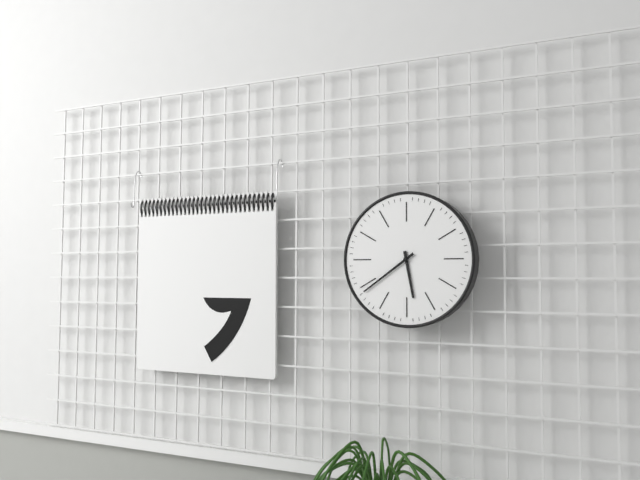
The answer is 5:39
